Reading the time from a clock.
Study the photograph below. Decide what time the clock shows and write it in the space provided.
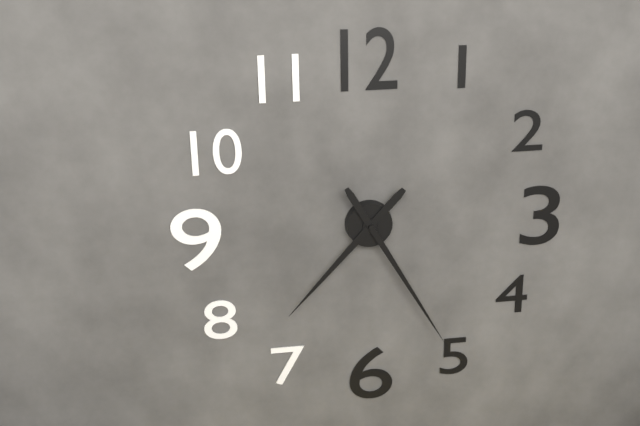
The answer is 7:25
